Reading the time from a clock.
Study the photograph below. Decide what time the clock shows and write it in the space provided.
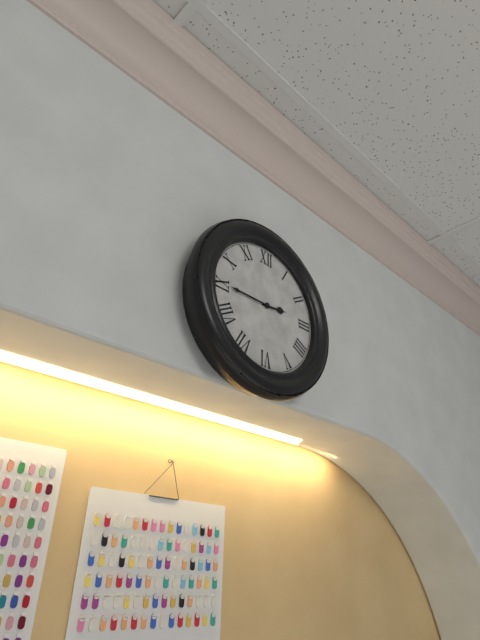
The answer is 2:45
